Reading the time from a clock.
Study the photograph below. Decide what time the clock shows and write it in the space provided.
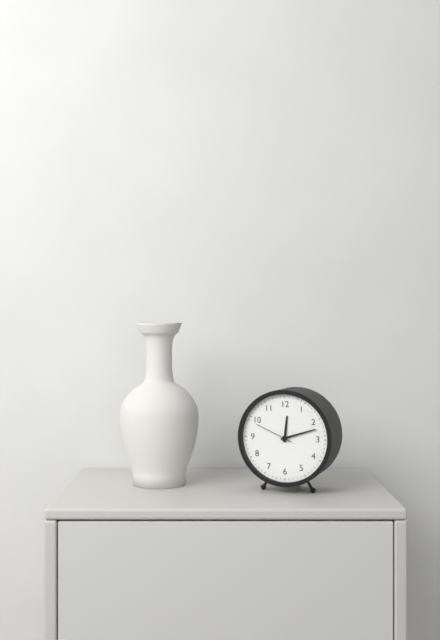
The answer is 12:12
